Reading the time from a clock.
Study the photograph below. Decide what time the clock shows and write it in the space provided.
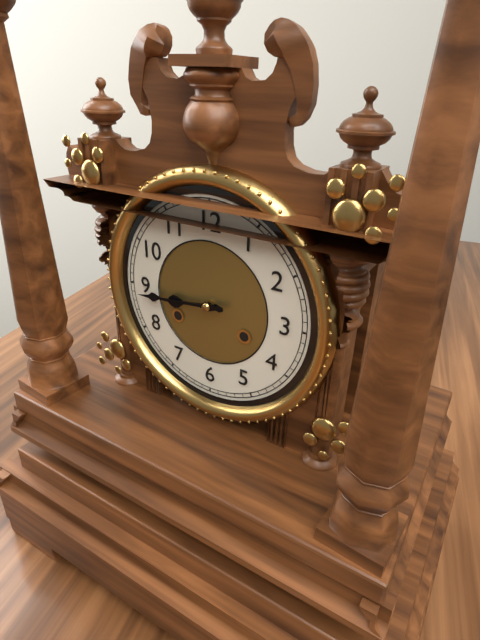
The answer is 8:44
